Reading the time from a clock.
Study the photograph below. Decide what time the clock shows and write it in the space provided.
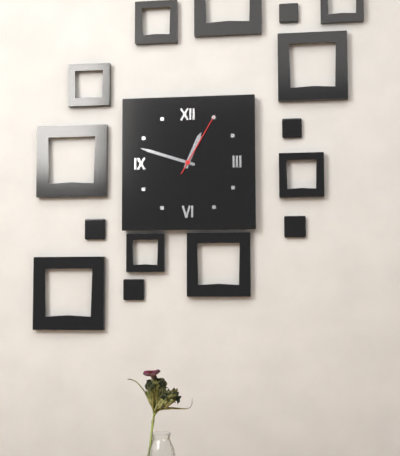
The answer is 12:48:05
